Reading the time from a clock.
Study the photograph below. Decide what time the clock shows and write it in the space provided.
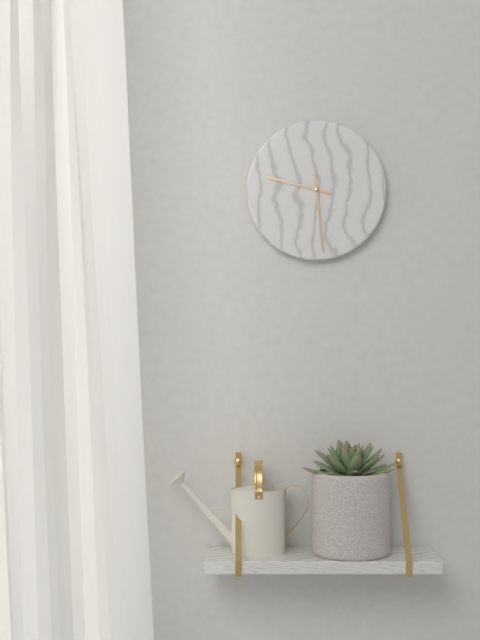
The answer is 9:29
